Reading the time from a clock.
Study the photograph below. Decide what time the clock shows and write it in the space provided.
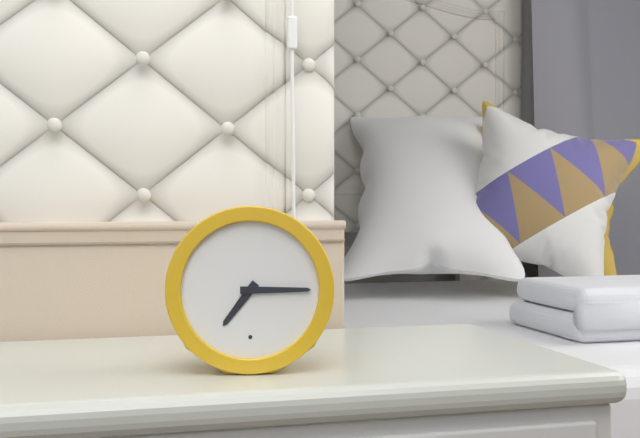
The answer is 7:15
